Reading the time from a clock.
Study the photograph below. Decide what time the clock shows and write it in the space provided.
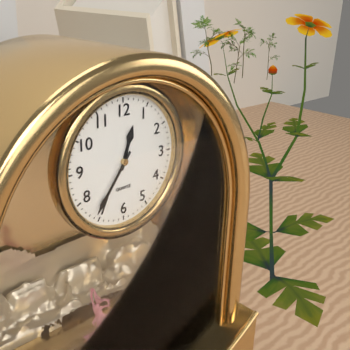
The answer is 12:36
